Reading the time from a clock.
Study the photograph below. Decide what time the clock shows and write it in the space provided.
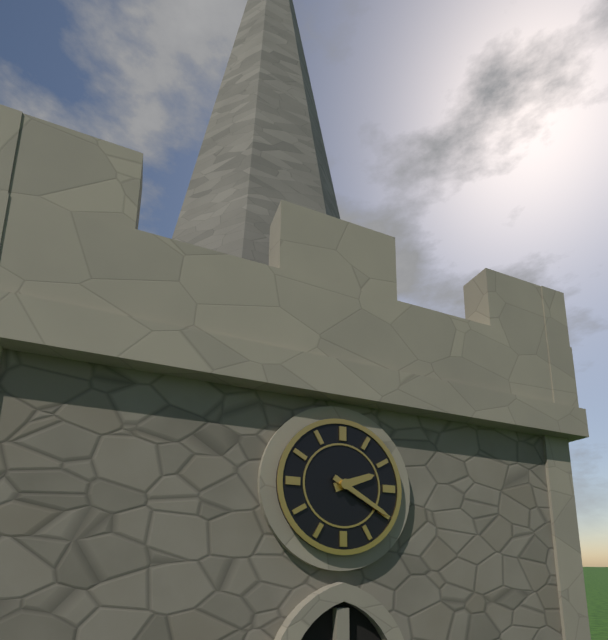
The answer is 2:20
